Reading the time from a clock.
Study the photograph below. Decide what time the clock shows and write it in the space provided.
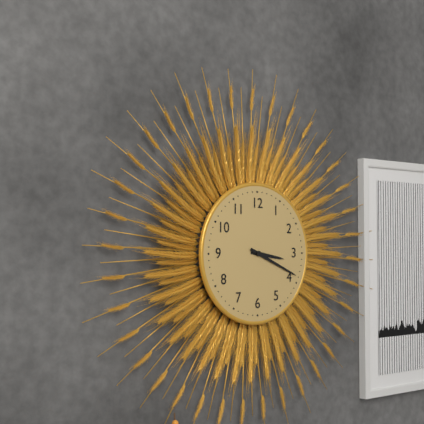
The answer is 3:19
